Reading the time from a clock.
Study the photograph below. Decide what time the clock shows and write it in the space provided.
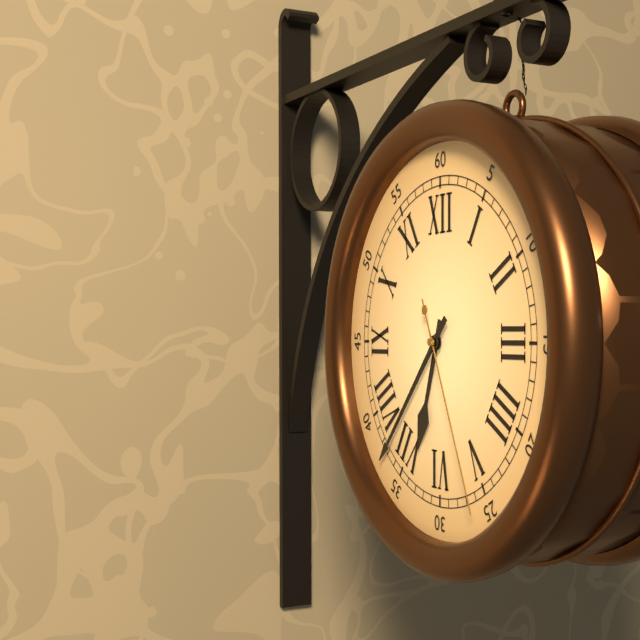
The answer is 6:37:26
